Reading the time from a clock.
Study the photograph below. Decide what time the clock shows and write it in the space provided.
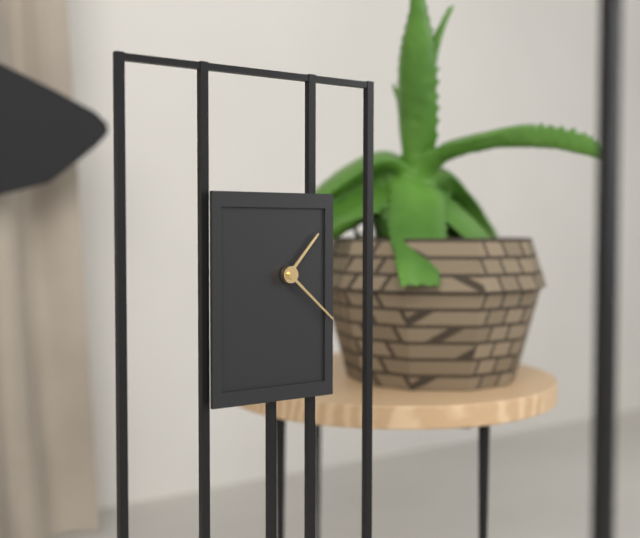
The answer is 1:22
